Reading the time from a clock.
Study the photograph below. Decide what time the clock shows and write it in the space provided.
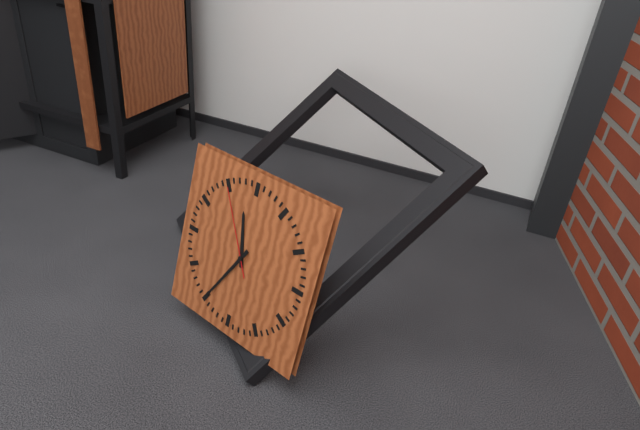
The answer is 11:35:55
